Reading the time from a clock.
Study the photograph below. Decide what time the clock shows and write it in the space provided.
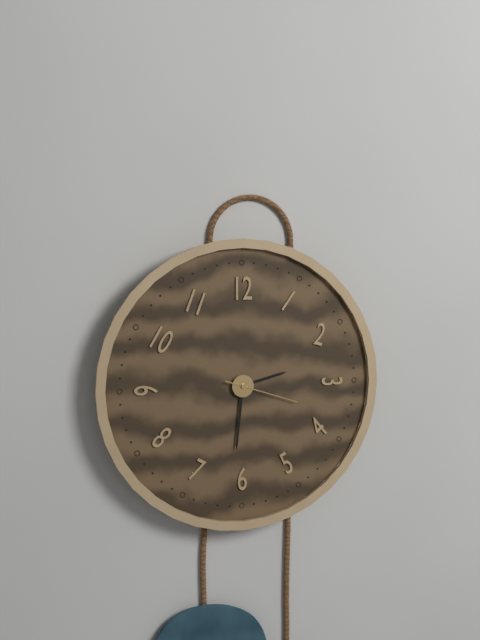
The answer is 2:31:18
